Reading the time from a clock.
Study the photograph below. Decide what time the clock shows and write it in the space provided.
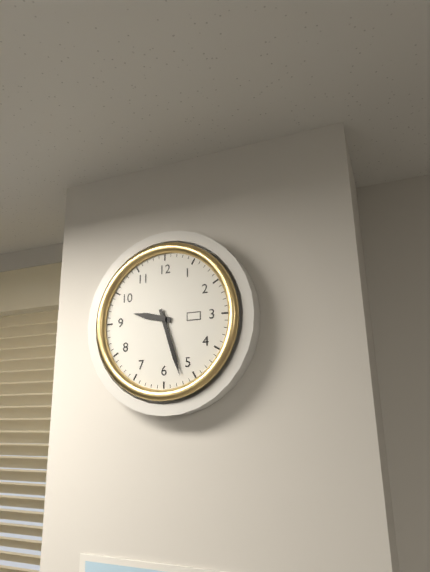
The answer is 9:27
